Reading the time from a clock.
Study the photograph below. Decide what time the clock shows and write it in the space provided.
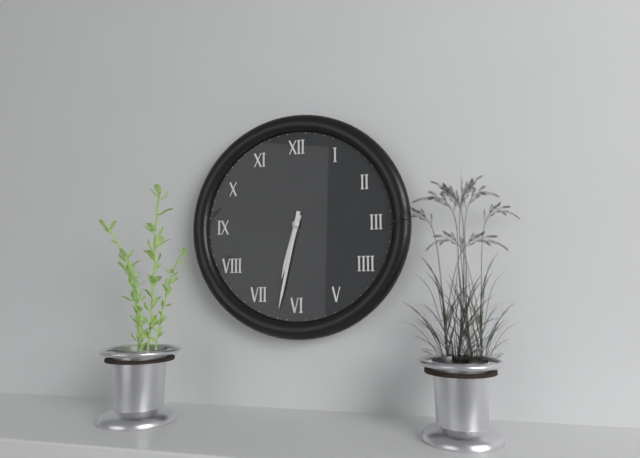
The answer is 6:32
